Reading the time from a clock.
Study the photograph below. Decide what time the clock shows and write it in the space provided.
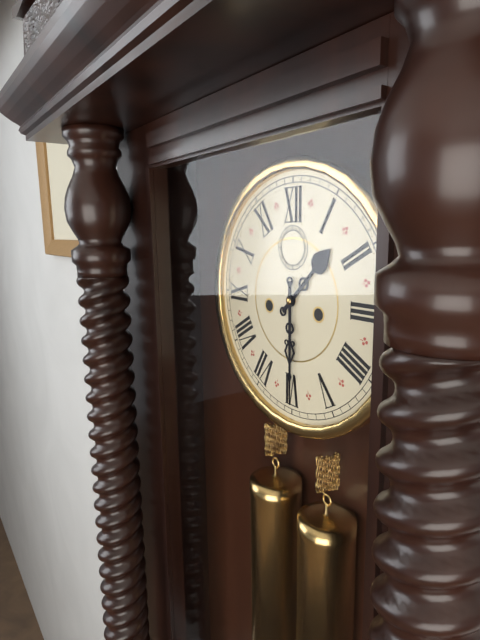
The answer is 1:30
